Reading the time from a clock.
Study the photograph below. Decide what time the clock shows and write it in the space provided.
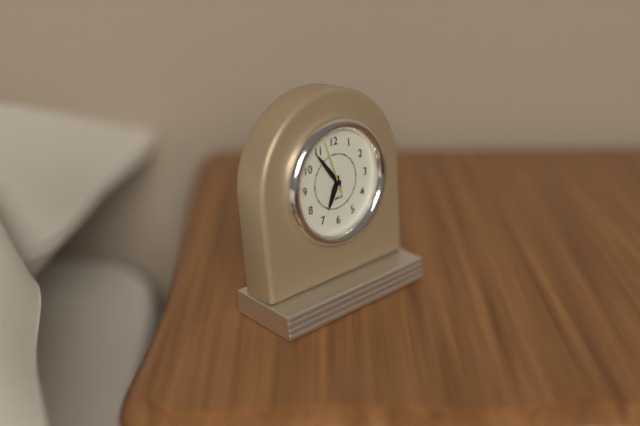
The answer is 6:54:57
